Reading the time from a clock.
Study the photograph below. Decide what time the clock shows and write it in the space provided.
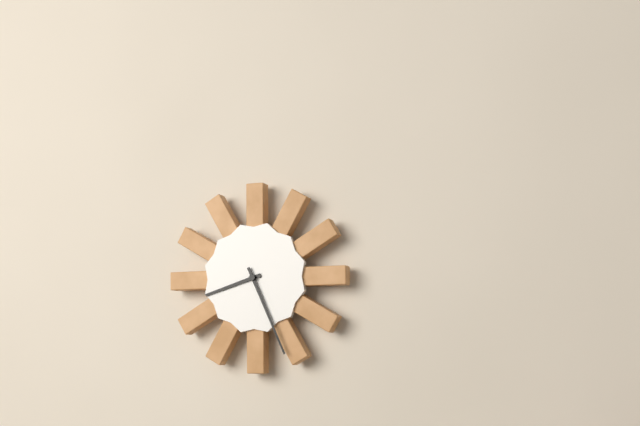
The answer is 8:26
